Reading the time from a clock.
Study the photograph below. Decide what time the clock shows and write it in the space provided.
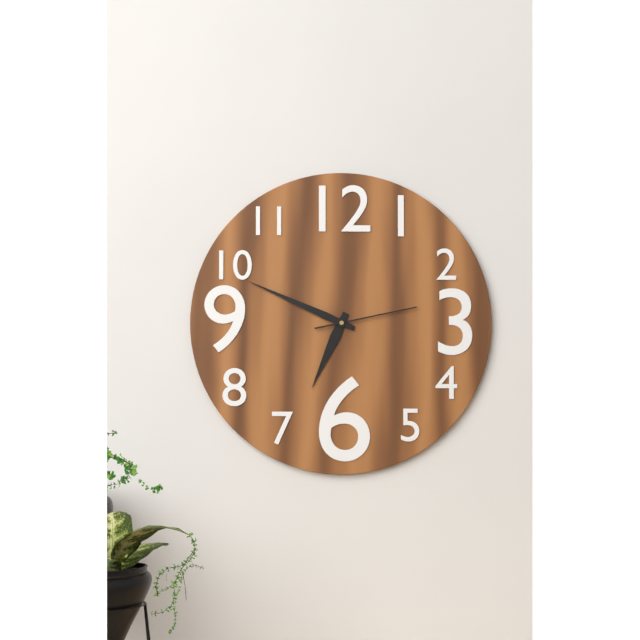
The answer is 6:49:13
